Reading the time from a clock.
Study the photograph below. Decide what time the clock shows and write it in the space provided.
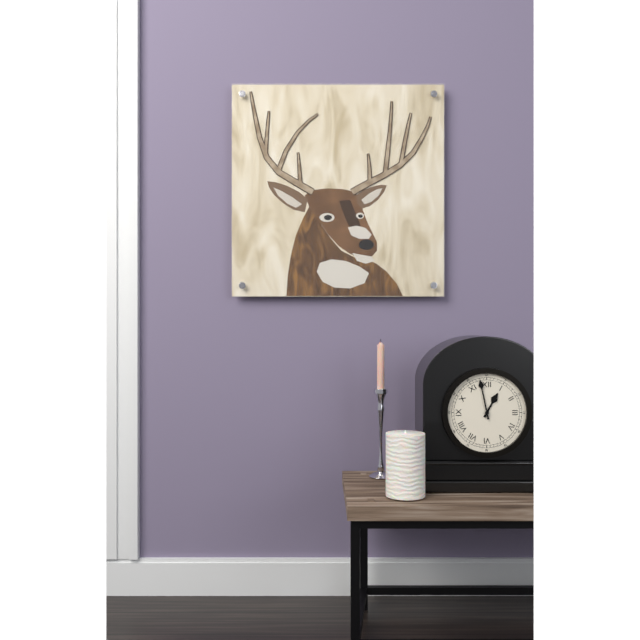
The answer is 12:58
